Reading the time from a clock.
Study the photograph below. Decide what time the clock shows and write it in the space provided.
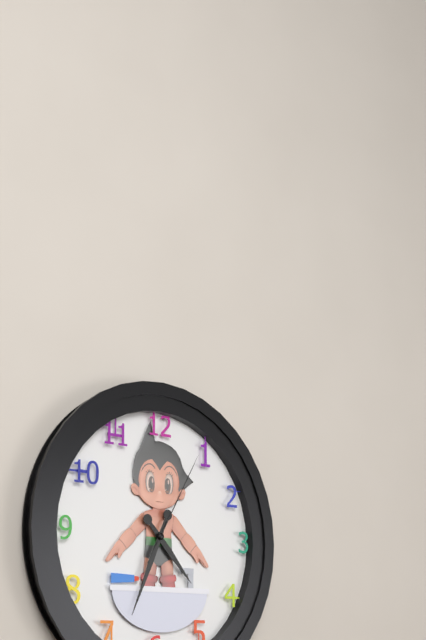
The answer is 4:34:05
